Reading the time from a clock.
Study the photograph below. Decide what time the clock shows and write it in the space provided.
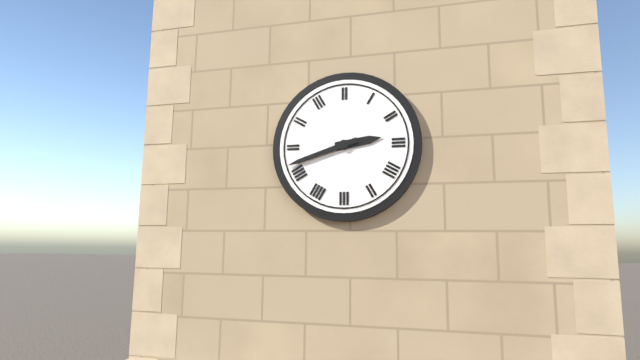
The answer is 2:42
